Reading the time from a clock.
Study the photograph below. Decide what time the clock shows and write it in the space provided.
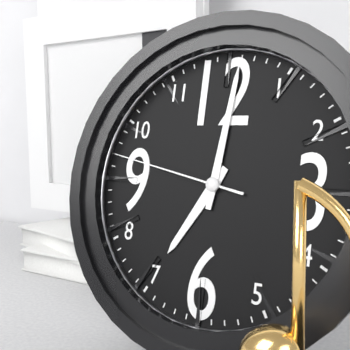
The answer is 7:01:47
